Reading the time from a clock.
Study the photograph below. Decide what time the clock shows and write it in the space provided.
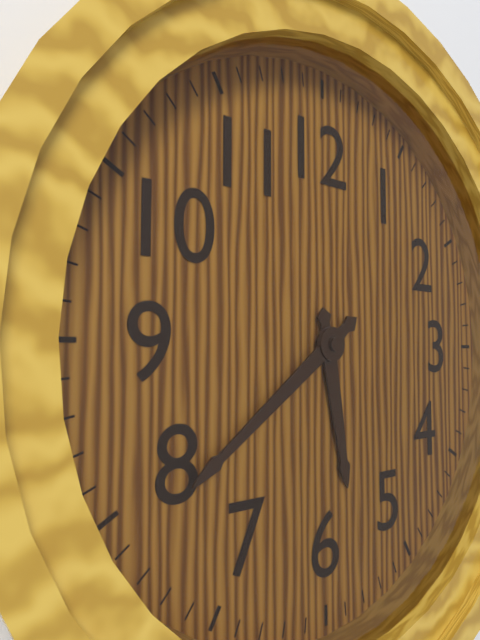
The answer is 5:39
